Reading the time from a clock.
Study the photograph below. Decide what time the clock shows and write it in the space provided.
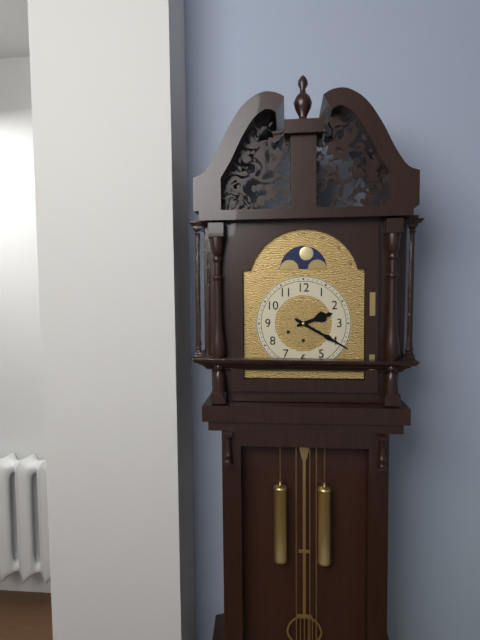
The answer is 2:20
